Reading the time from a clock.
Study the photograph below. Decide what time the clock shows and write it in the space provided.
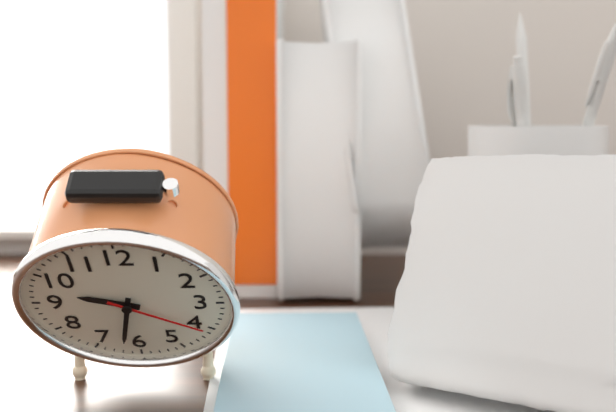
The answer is 9:32:20
